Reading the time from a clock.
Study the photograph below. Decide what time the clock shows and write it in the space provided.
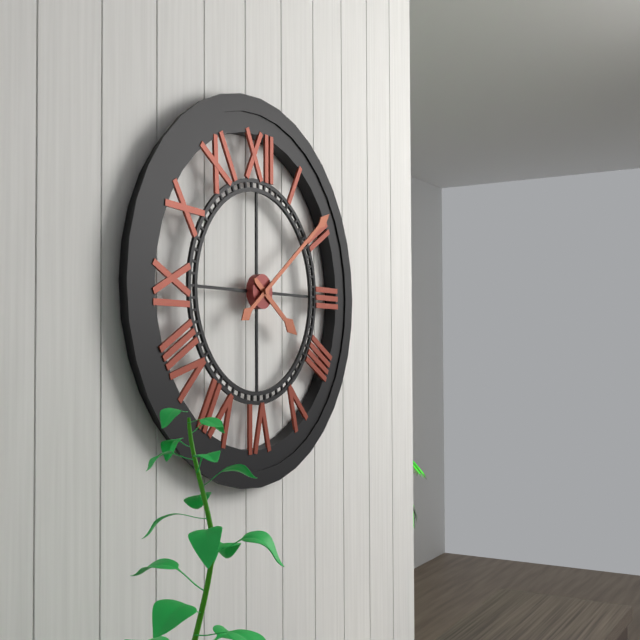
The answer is 4:09
